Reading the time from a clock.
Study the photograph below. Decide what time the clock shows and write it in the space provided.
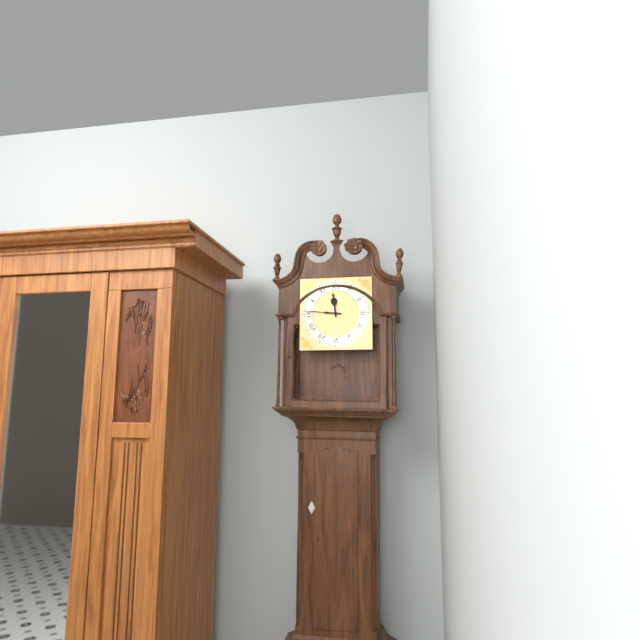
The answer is 11:46
